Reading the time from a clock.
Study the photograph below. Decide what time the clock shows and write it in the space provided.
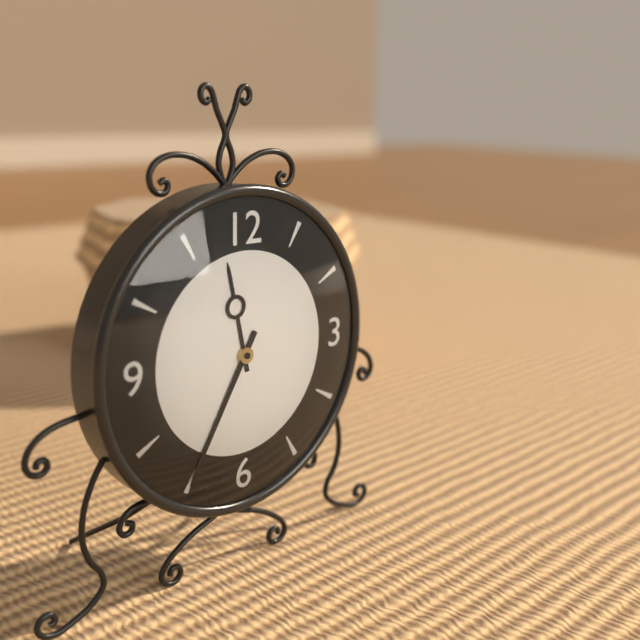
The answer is 11:35
